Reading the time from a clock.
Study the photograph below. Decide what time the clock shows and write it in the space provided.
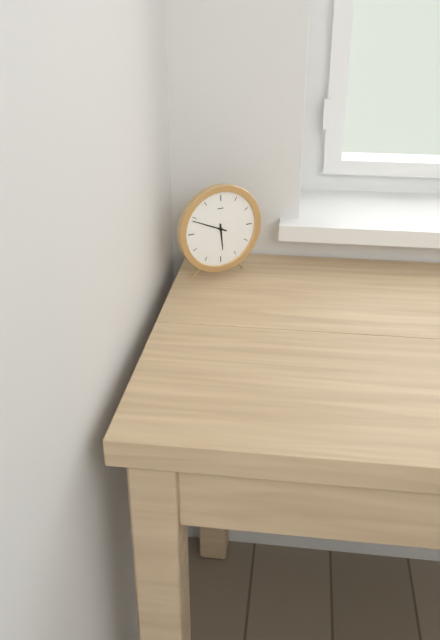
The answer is 5:49
